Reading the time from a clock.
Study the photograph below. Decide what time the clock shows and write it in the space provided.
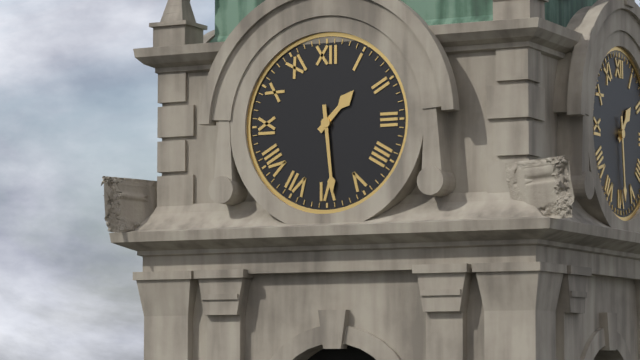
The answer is 1:29
